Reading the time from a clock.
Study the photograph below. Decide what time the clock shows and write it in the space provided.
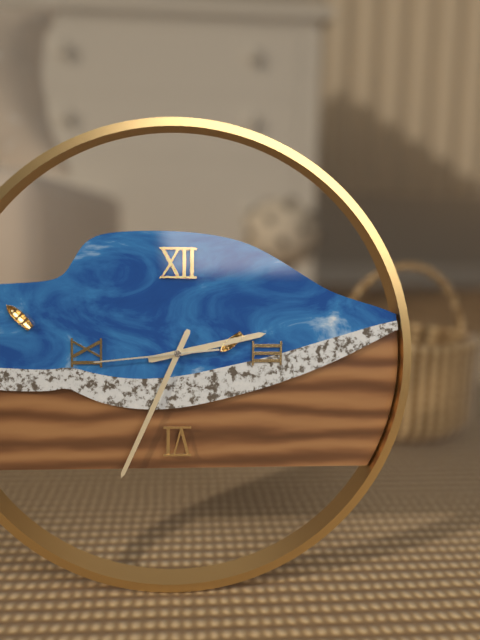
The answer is 2:34:44
